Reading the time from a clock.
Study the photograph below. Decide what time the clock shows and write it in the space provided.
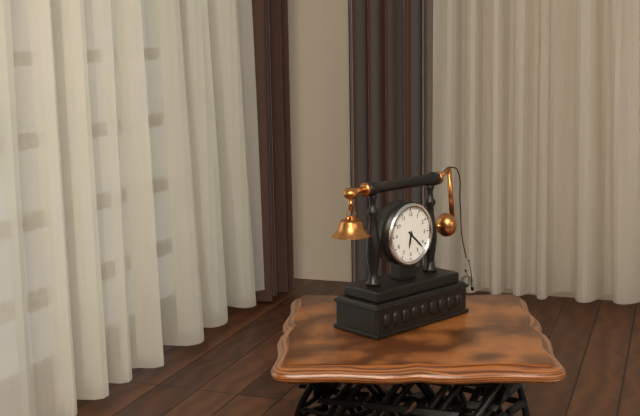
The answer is 6:22
